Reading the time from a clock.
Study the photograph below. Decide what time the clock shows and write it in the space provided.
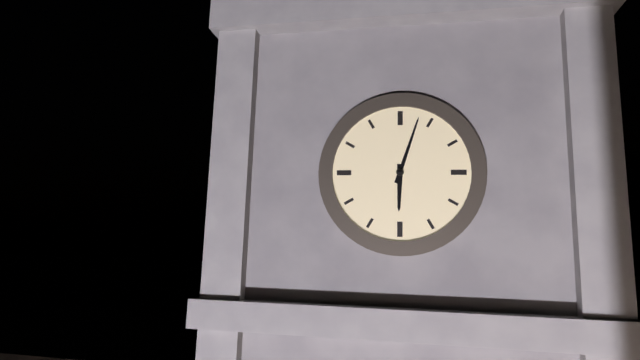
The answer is 6:03
